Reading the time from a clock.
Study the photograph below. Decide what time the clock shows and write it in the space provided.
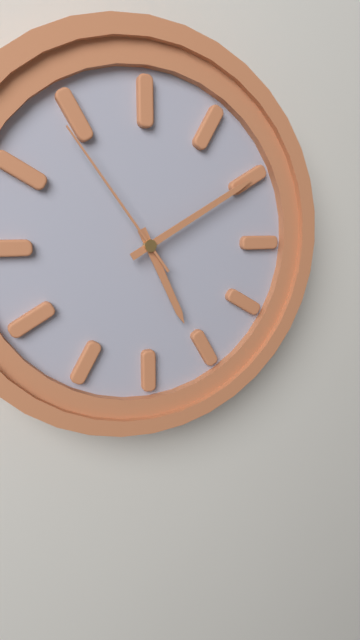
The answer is 5:10:54
